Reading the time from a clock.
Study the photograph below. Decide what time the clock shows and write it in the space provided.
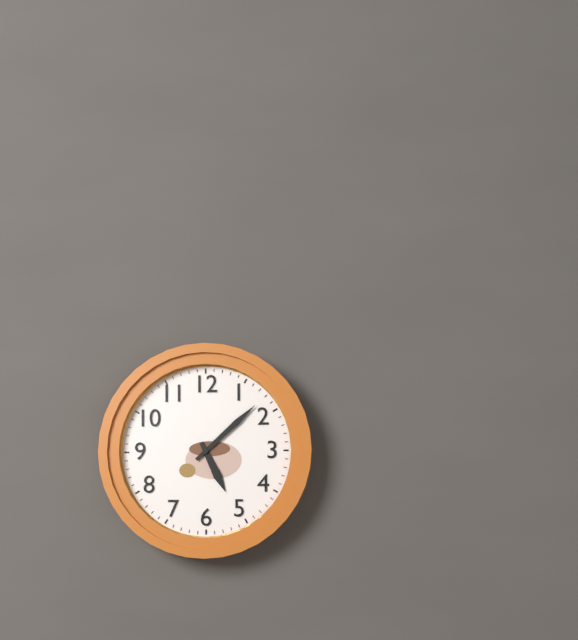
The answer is 5:08
